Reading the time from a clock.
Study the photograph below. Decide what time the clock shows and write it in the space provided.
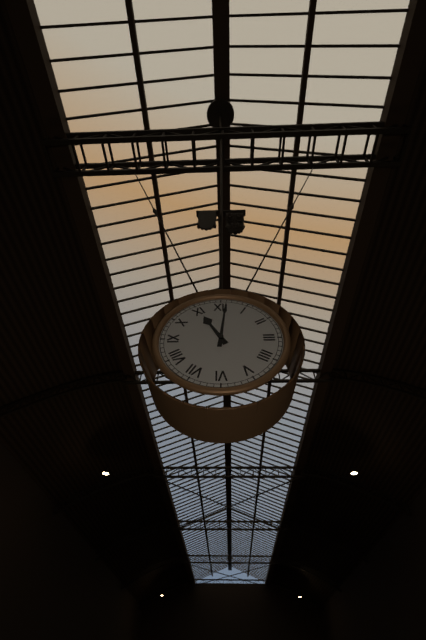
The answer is 11:01
